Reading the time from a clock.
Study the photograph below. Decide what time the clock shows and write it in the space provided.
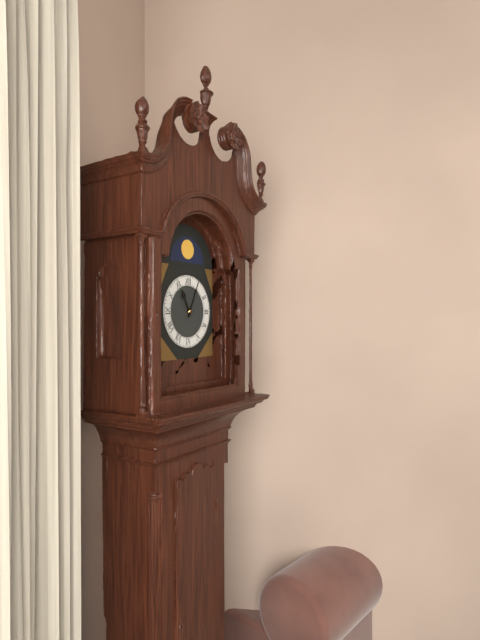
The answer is 11:04
